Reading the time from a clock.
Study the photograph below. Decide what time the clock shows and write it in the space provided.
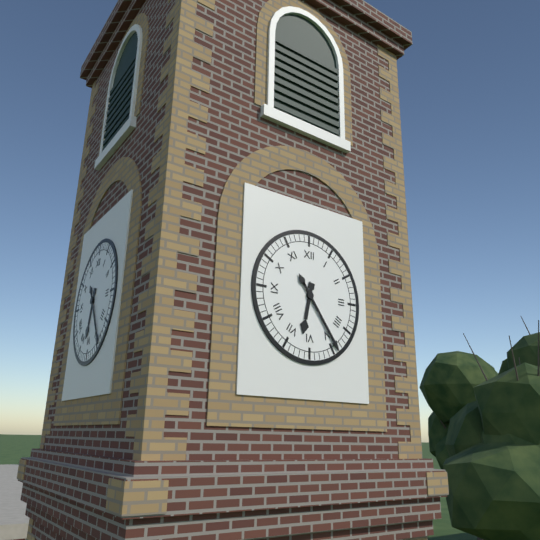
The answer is 6:24
